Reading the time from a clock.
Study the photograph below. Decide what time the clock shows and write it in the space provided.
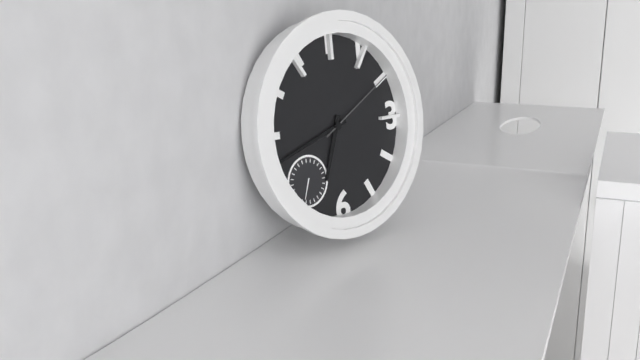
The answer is 6:42:10
